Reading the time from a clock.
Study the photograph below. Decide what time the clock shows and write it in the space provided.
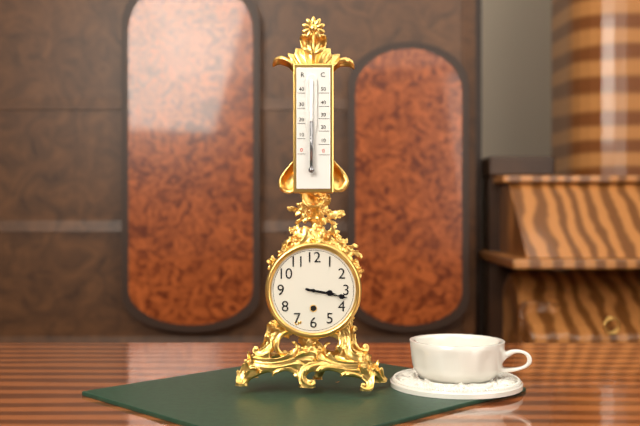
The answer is 3:17
